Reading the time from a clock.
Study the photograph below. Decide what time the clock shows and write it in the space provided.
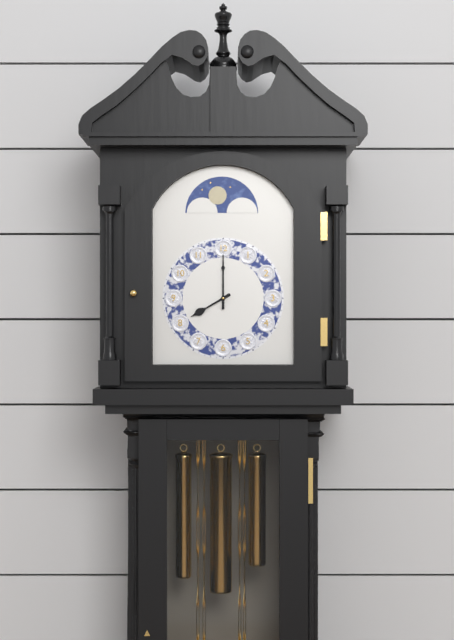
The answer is 8:00
